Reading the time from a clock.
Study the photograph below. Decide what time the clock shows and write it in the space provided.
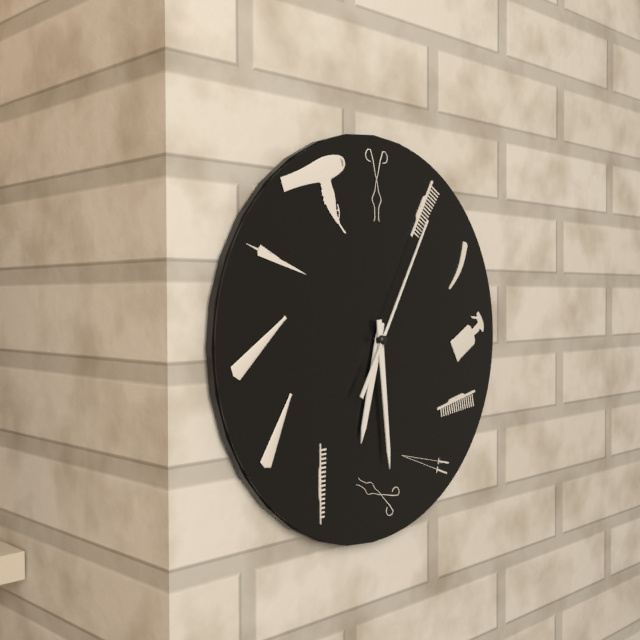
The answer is 6:29:05
